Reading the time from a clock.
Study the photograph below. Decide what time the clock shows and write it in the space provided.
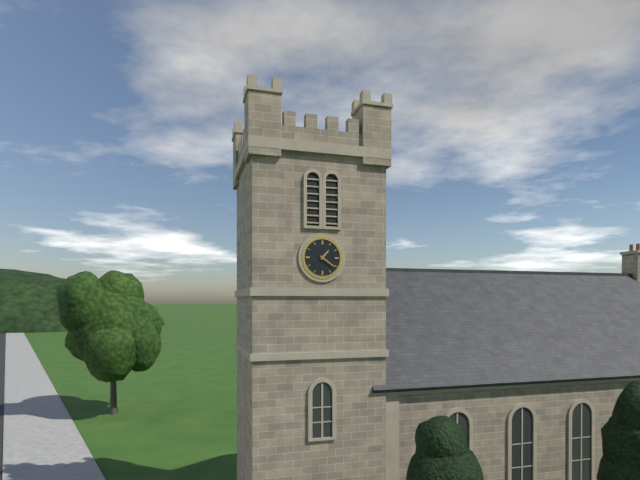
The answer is 1:21
